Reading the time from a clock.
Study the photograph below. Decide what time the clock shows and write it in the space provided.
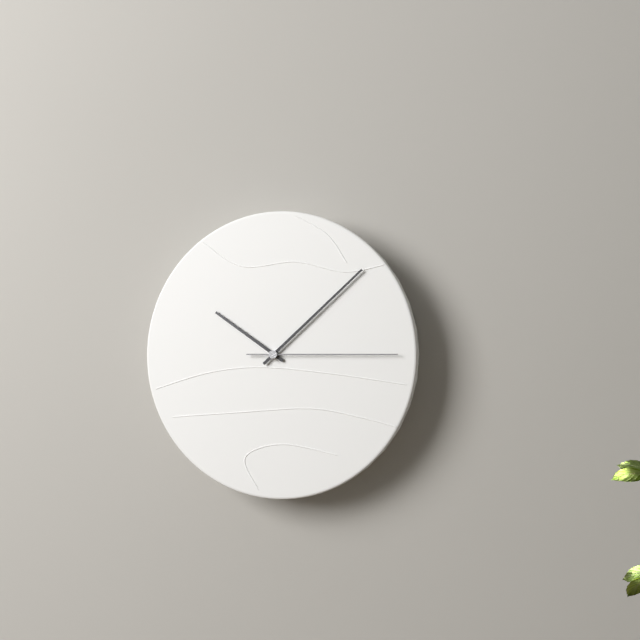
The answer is 10:08:15
